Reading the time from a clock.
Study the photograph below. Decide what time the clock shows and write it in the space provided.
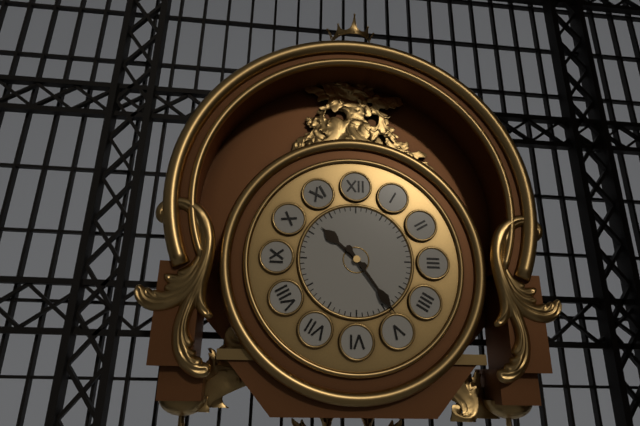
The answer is 10:24
